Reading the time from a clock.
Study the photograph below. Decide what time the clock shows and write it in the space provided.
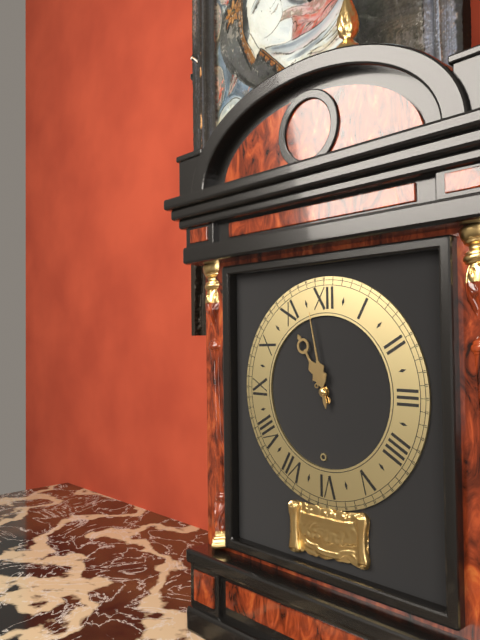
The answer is 10:58
